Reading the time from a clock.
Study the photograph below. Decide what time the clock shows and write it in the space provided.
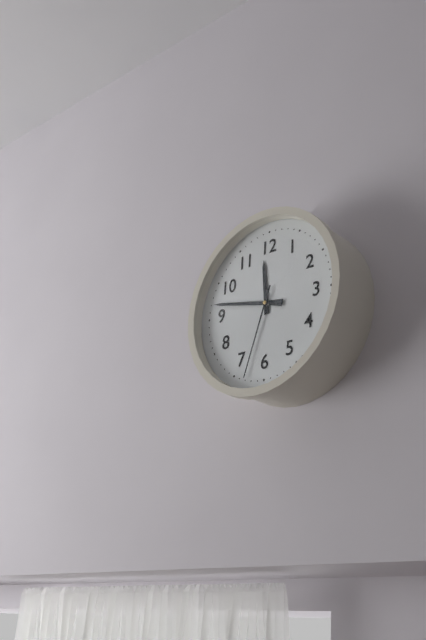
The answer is 11:47:33
